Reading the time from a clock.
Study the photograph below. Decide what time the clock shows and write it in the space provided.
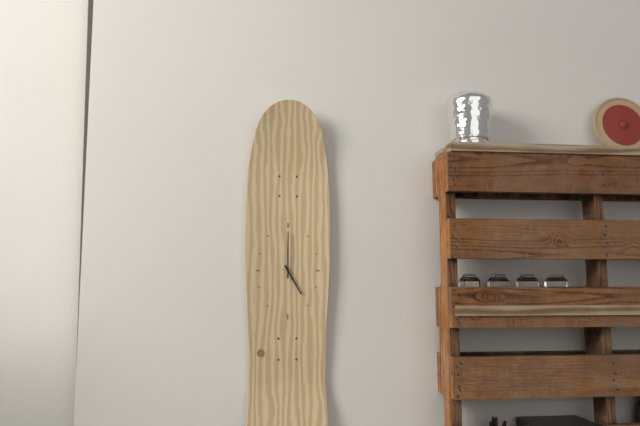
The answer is 5:00
